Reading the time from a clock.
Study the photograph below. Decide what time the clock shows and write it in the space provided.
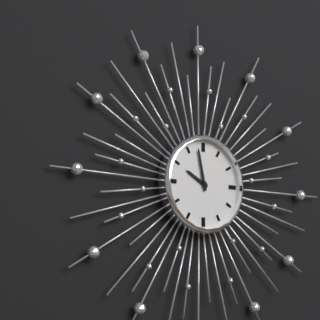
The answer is 9:58
